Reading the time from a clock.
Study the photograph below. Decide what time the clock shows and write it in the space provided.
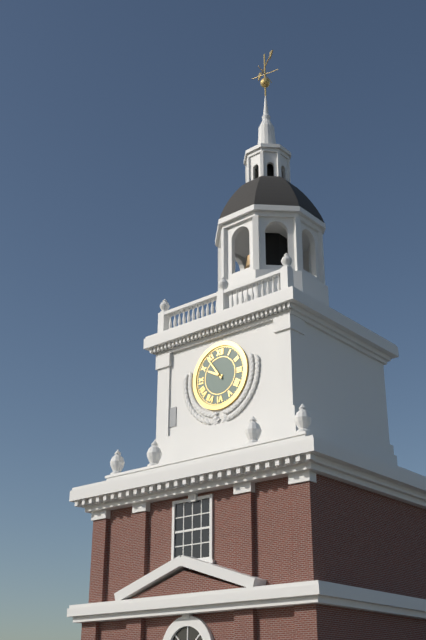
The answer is 9:54
